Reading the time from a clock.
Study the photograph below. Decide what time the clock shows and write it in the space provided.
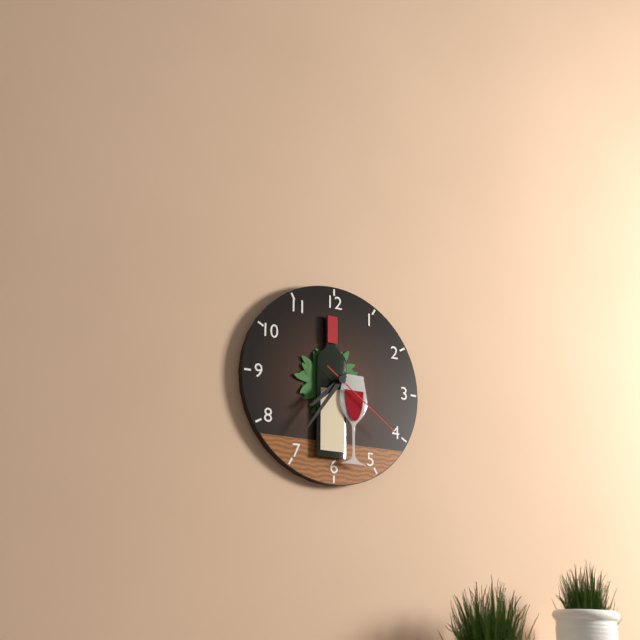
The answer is 7:36:21
